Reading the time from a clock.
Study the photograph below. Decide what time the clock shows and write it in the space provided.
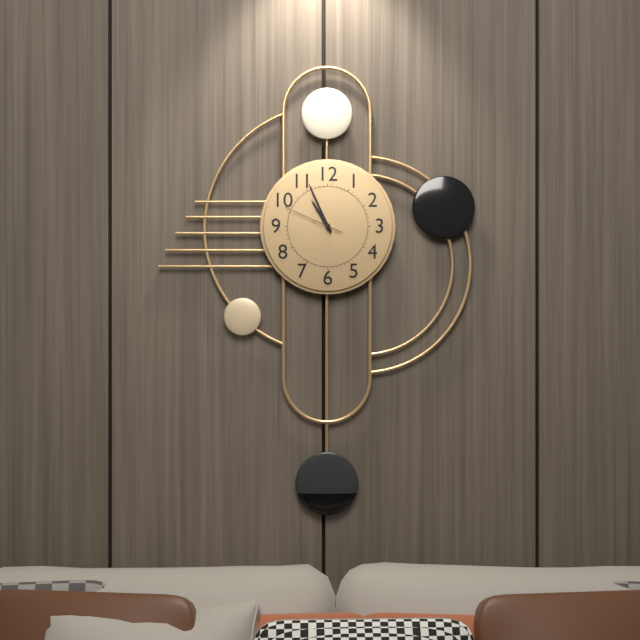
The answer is 10:56:49
